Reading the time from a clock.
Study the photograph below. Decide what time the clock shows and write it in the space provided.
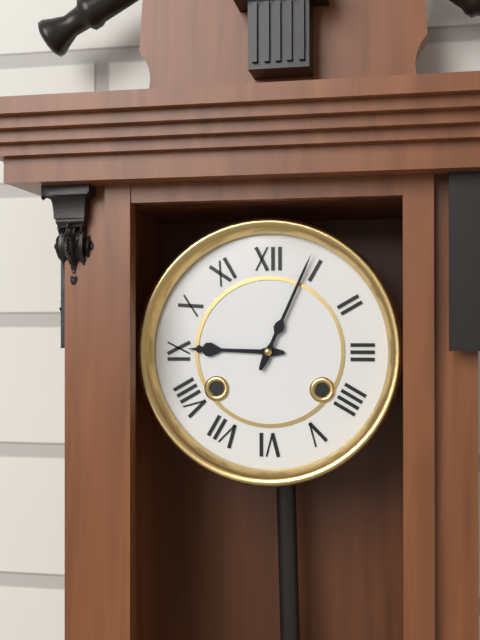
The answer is 9:04
